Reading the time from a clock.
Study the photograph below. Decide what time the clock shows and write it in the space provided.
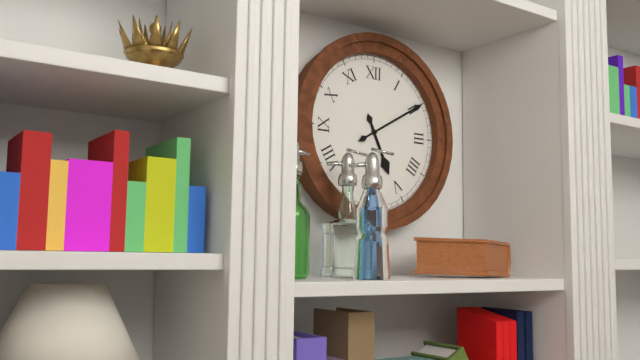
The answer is 5:10
